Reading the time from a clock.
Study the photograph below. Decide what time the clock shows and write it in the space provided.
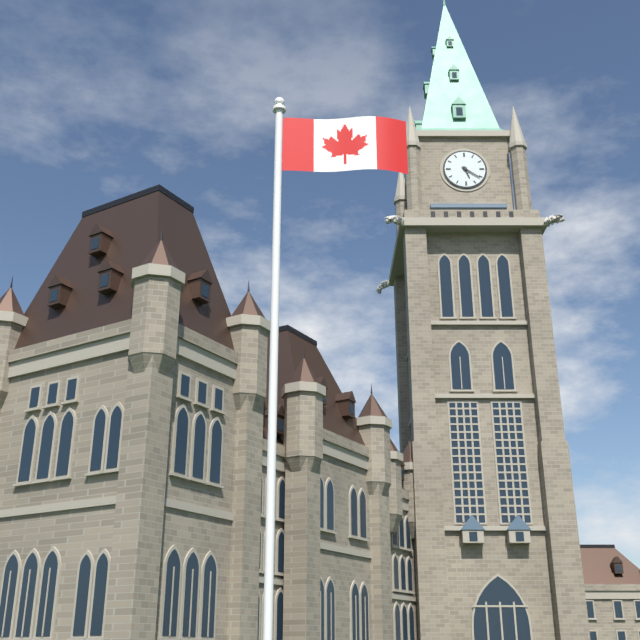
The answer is 5:21
